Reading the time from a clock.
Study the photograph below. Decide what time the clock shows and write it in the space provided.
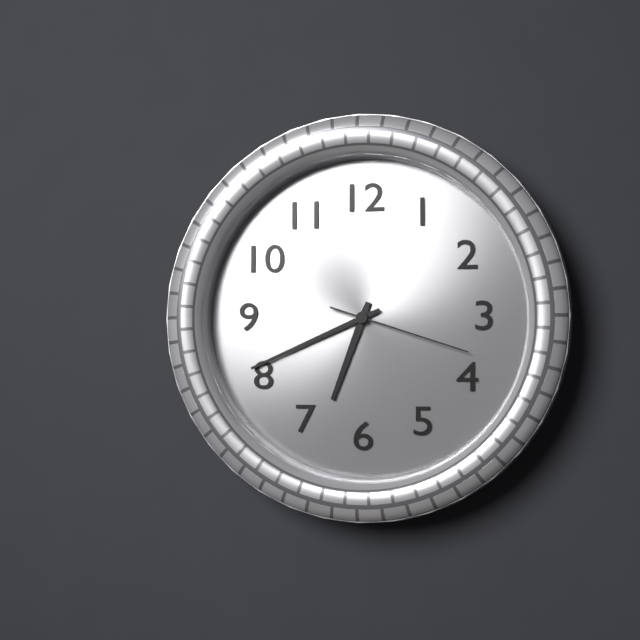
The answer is 6:41:18
